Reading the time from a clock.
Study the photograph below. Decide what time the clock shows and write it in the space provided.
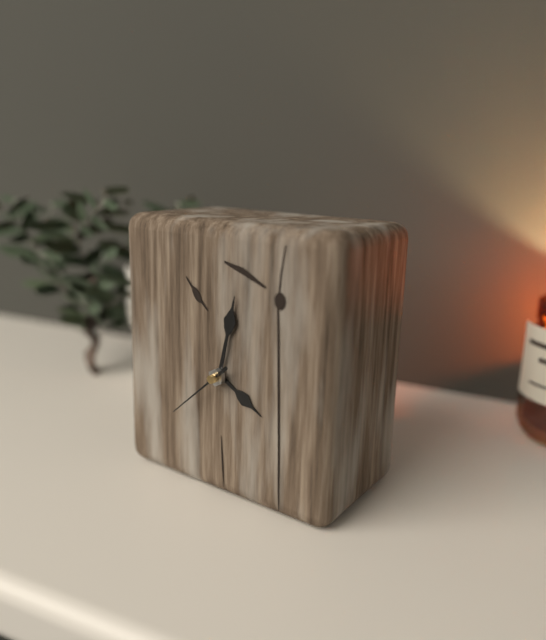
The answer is 4:02:38
